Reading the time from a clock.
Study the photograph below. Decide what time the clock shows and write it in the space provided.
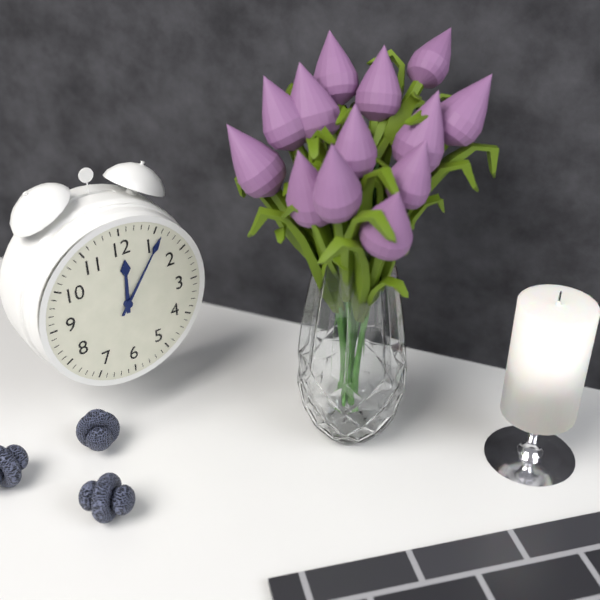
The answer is 12:06
